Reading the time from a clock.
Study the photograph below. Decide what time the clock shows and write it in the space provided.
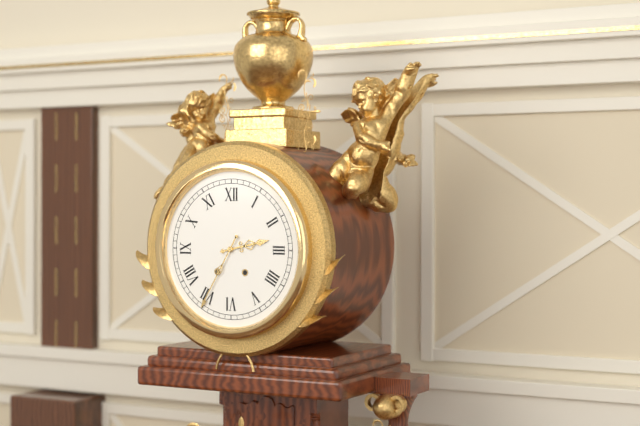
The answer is 2:35
